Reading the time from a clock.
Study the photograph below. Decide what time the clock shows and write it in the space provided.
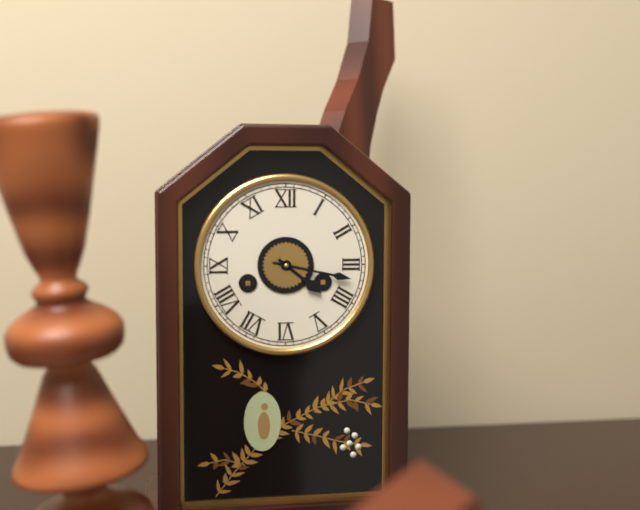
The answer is 4:17
